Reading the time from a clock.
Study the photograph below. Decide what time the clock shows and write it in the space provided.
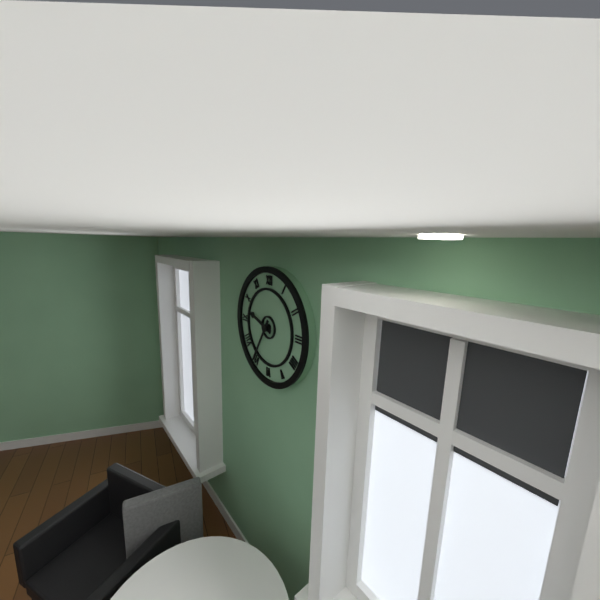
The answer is 9:35
